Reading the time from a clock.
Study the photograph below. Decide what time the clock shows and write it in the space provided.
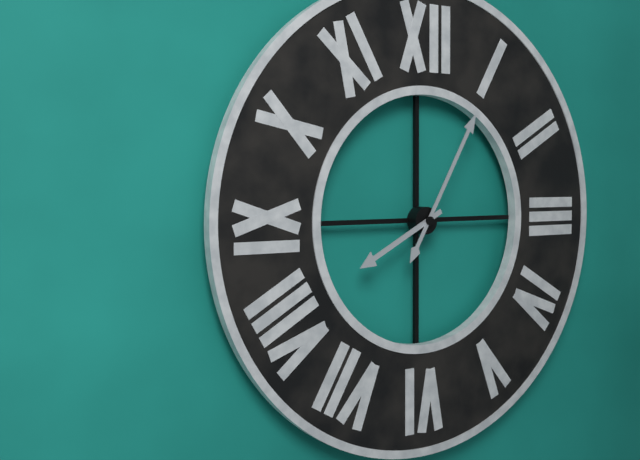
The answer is 8:05
